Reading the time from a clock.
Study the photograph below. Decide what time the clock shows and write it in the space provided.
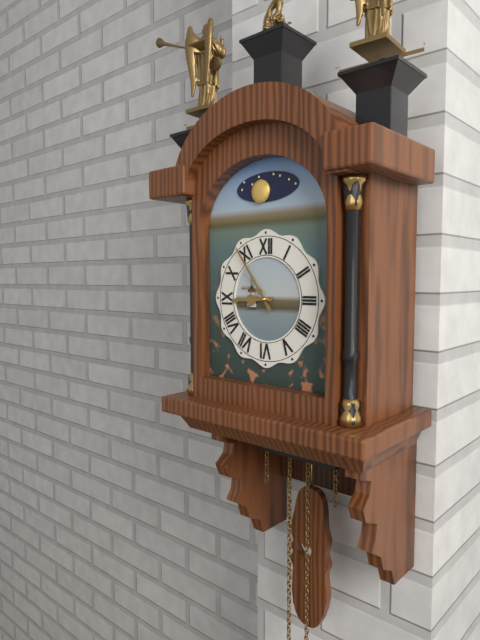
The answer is 8:54
